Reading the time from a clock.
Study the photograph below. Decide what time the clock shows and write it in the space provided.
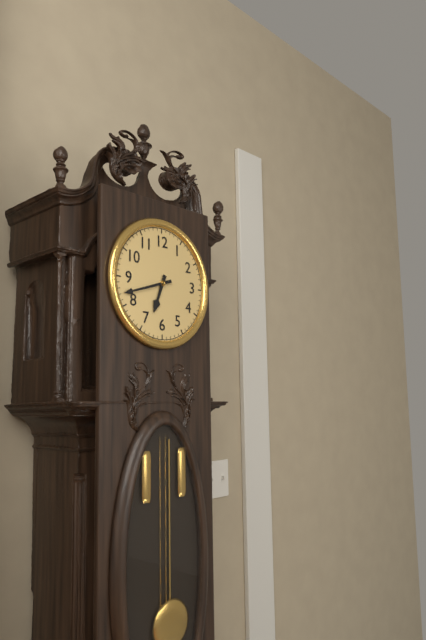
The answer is 6:42
